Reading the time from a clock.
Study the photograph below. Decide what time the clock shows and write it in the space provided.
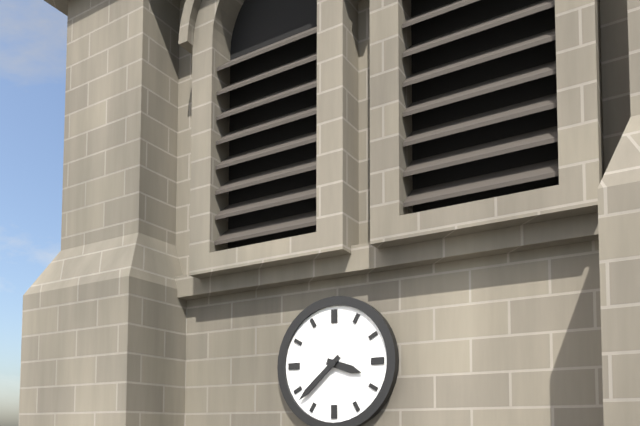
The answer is 3:38
